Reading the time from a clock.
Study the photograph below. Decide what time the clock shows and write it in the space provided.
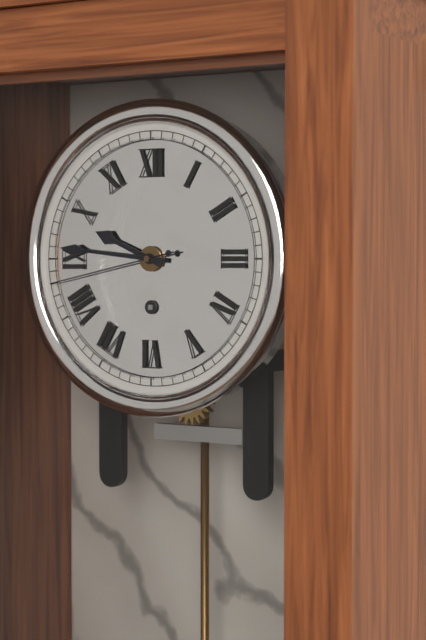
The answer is 9:46:43
